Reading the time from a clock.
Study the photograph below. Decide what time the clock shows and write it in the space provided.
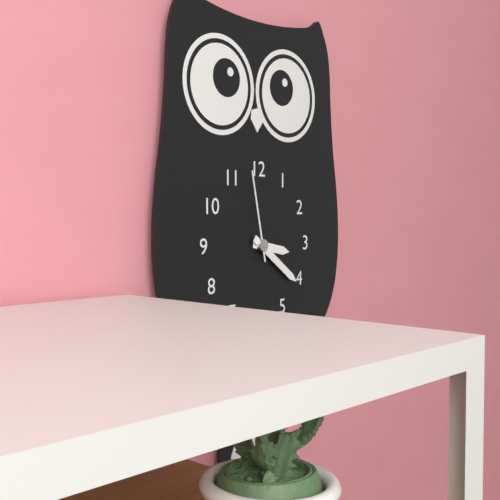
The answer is 3:21:58
